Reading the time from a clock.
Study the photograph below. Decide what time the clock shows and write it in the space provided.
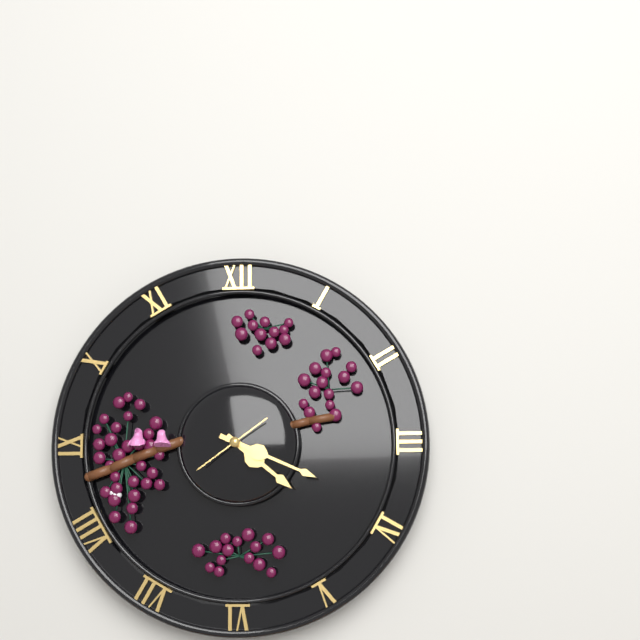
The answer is 4:19:39
